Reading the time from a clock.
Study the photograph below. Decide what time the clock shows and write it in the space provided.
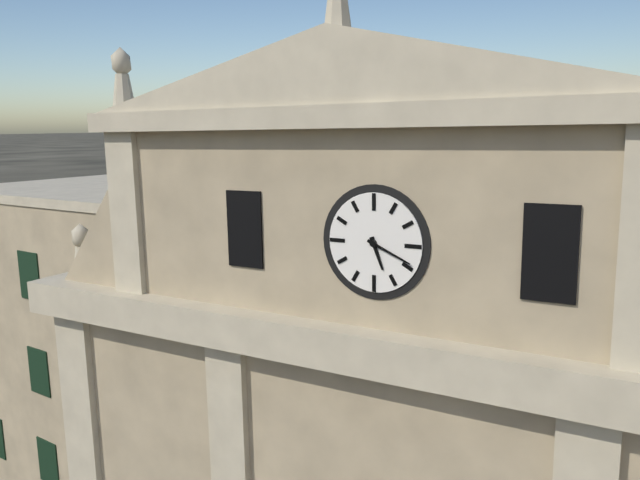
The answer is 5:19
